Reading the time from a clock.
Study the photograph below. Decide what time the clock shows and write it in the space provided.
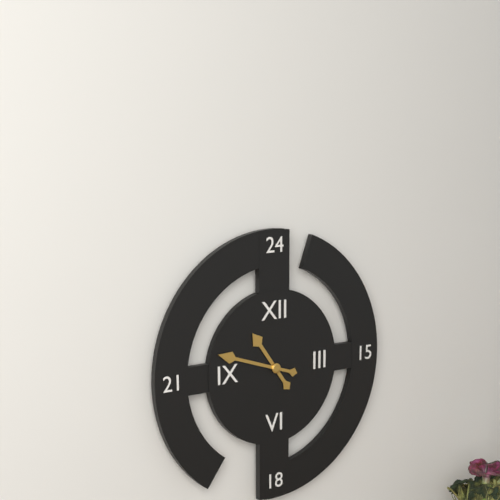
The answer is 10:48
